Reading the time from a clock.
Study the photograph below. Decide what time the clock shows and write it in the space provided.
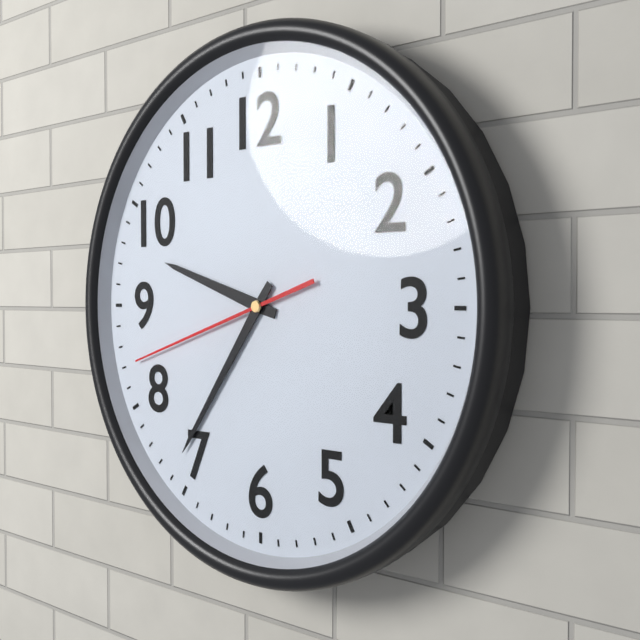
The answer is 9:36:42
